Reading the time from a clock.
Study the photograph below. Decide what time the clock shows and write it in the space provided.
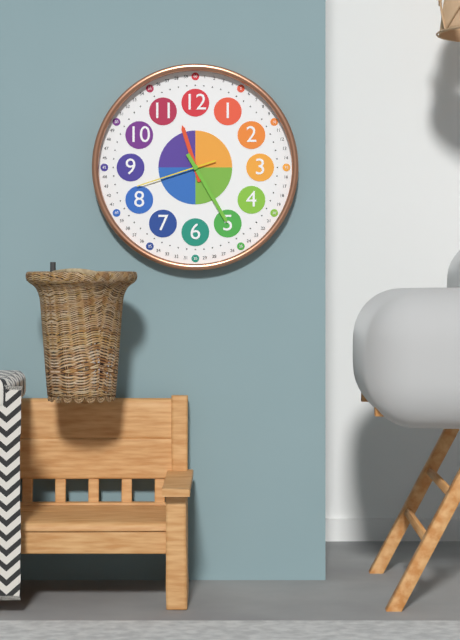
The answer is 11:25:42
